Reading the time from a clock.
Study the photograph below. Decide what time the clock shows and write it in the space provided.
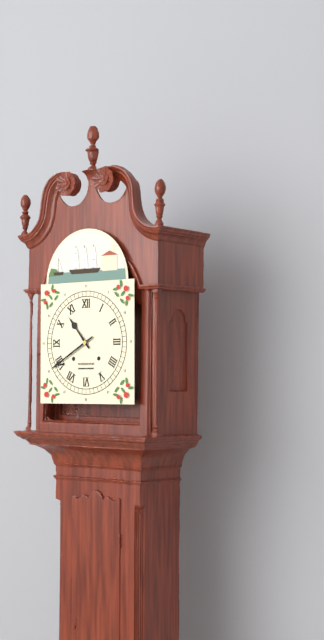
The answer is 10:40
